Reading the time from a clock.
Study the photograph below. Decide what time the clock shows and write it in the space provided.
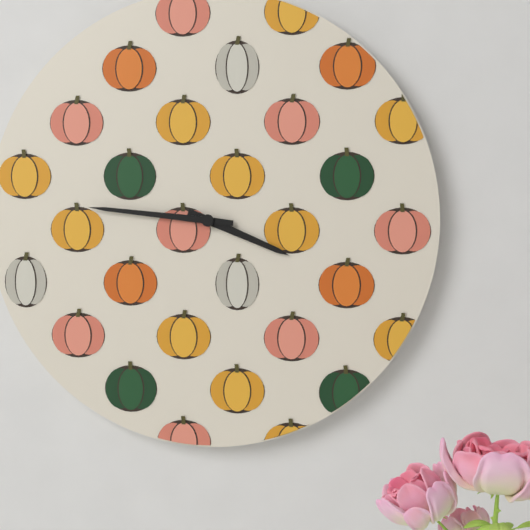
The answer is 3:46
